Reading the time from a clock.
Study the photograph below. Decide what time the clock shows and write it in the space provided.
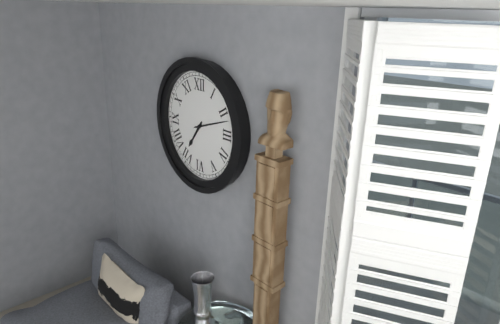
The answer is 7:12
